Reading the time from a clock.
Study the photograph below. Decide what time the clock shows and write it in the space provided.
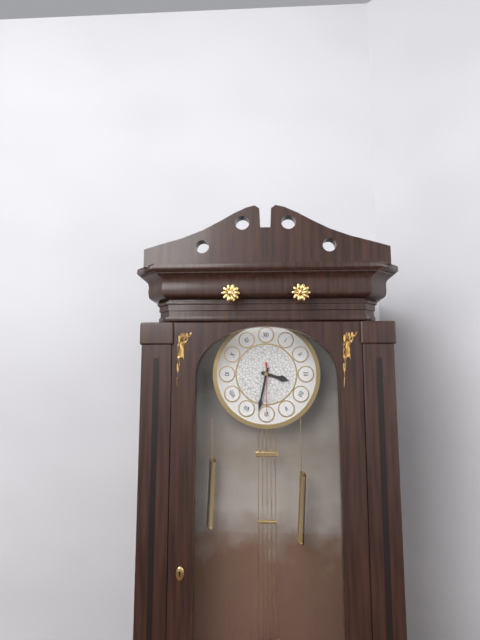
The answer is 3:32:30
